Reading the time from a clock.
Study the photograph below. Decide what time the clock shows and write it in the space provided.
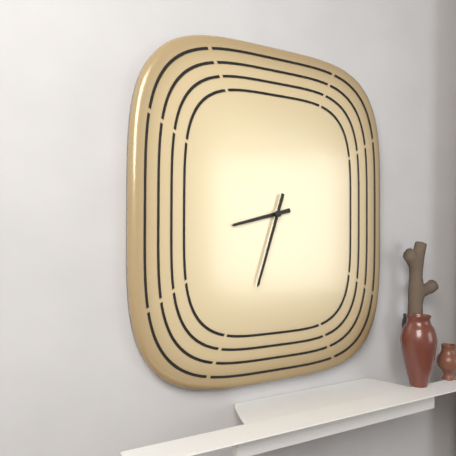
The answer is 8:33
